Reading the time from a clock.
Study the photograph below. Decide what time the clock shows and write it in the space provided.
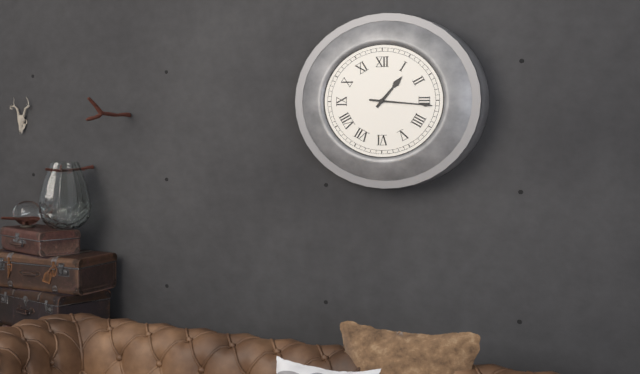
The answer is 1:16
